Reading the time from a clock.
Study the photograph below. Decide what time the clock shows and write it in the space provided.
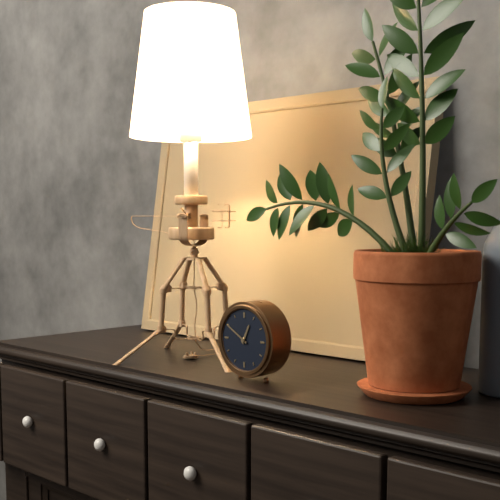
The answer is 12:50
